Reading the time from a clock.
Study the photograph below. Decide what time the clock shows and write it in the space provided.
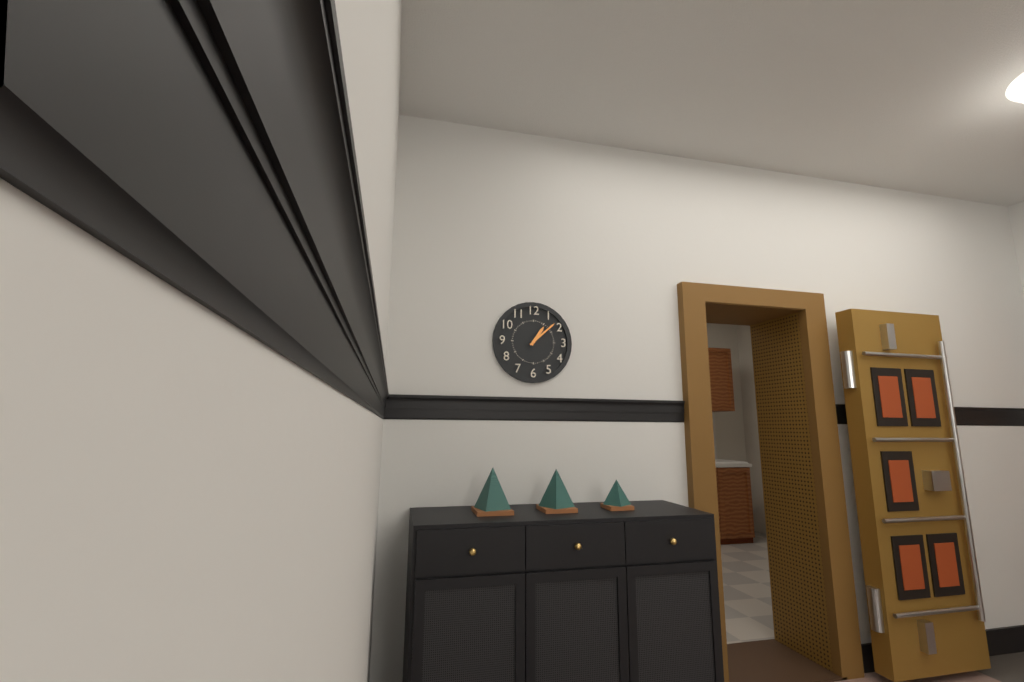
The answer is 1:08
